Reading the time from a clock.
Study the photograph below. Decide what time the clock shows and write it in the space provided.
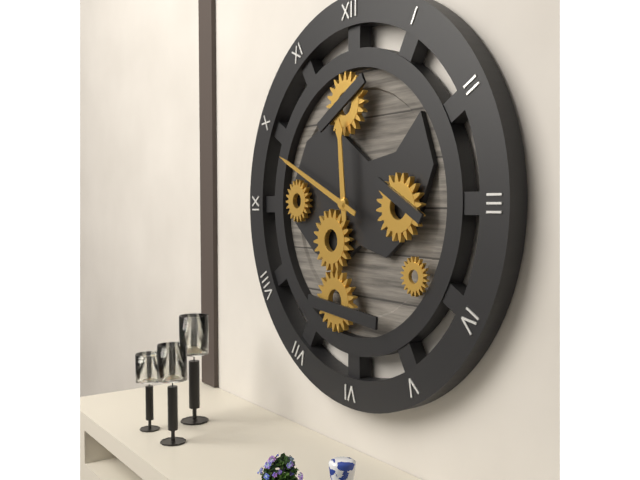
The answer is 11:49
